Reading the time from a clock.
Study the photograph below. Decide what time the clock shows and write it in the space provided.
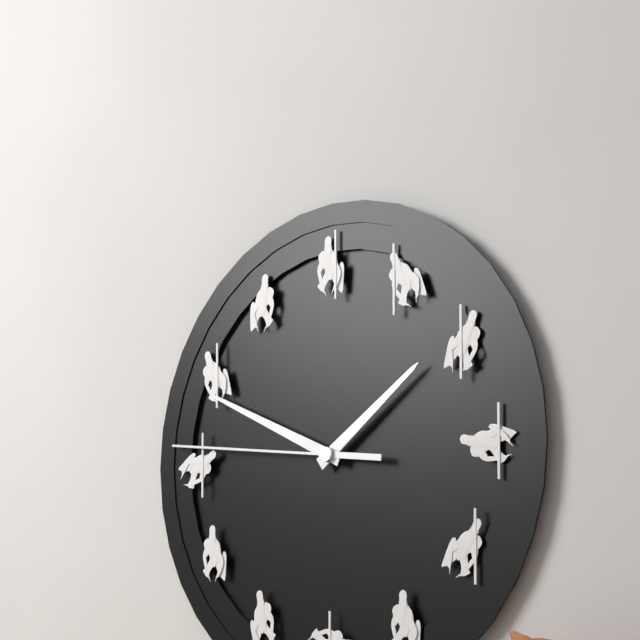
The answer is 1:49:46
